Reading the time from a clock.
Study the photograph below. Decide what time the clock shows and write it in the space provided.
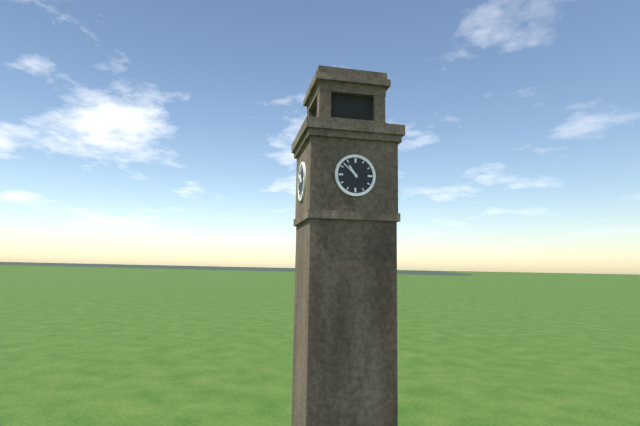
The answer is 10:52
